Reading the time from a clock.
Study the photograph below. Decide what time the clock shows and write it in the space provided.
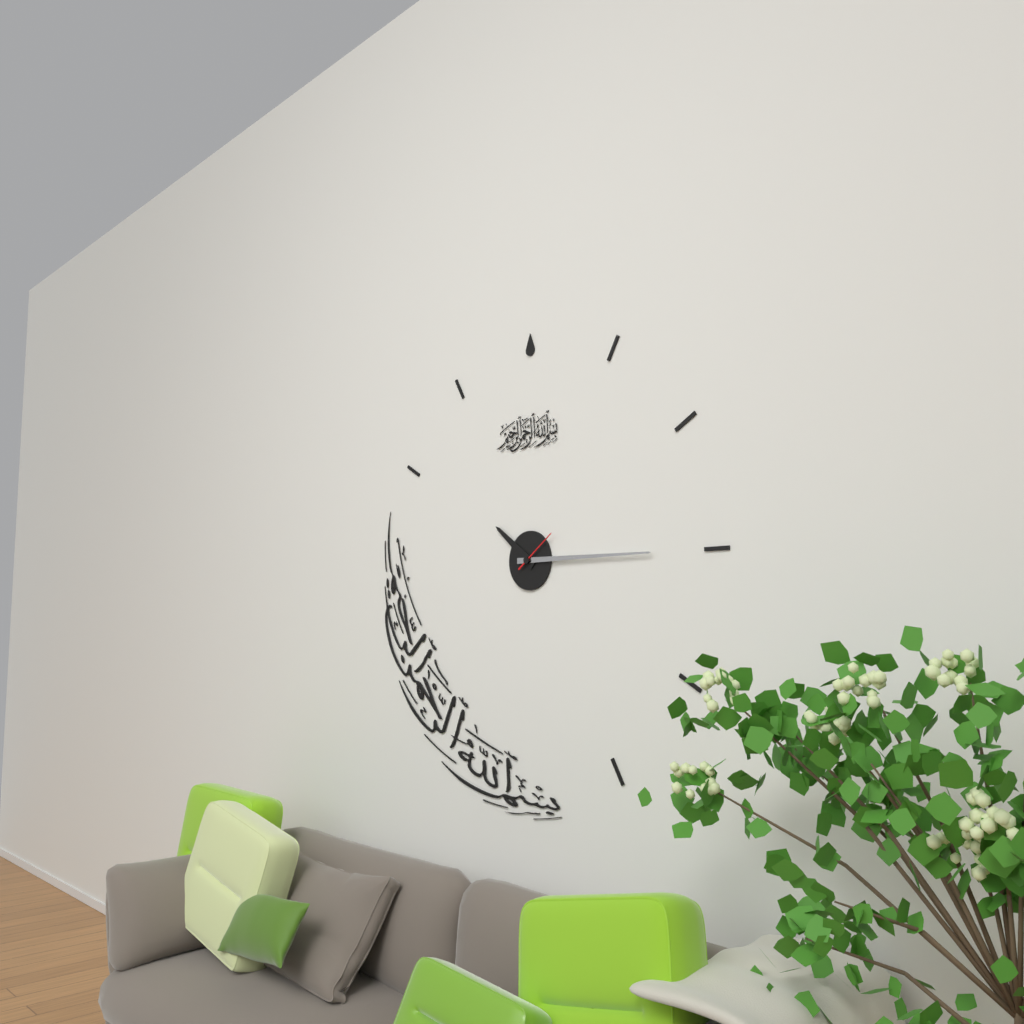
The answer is 10:15
